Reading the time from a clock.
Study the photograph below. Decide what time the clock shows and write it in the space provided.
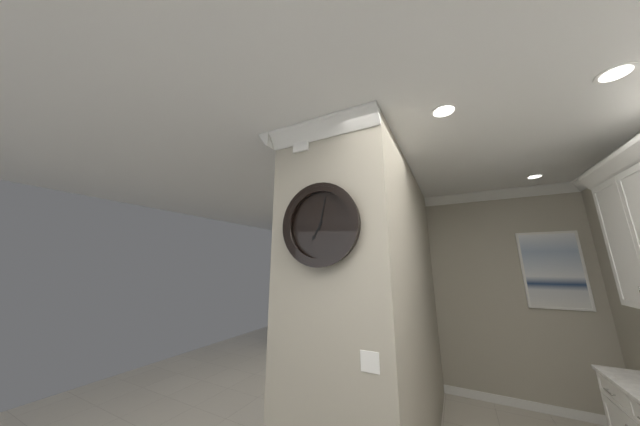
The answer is 7:02
